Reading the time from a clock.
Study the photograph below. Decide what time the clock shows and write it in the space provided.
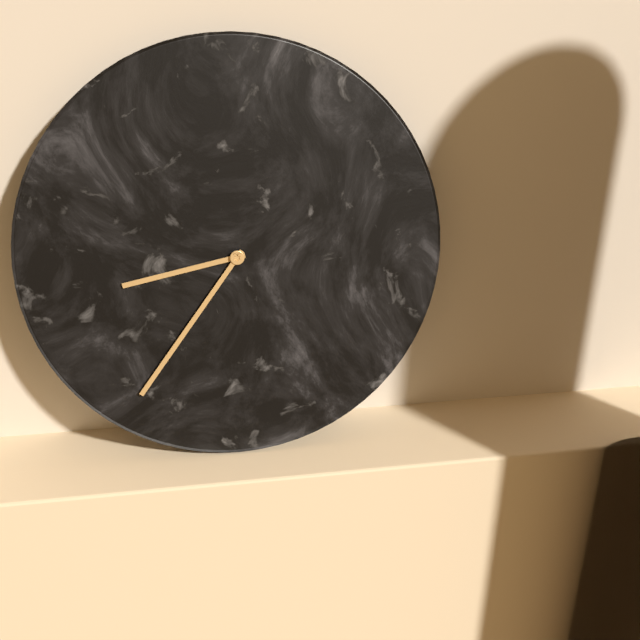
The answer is 8:36
